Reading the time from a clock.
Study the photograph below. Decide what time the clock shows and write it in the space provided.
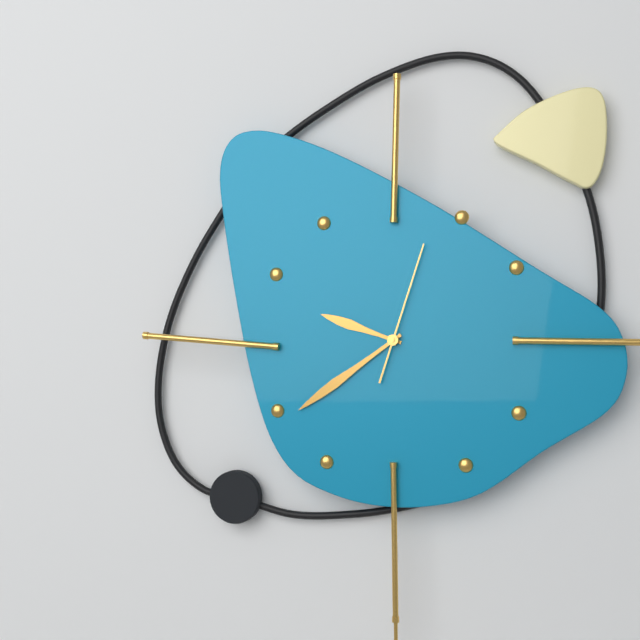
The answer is 9:39:03
